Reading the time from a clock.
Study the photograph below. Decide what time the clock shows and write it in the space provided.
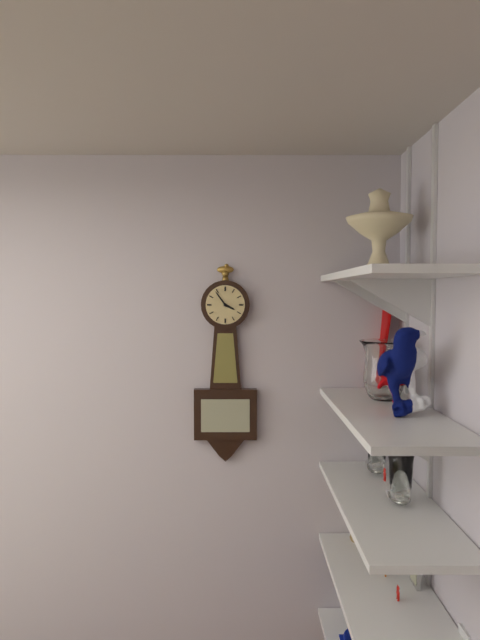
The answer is 3:54
